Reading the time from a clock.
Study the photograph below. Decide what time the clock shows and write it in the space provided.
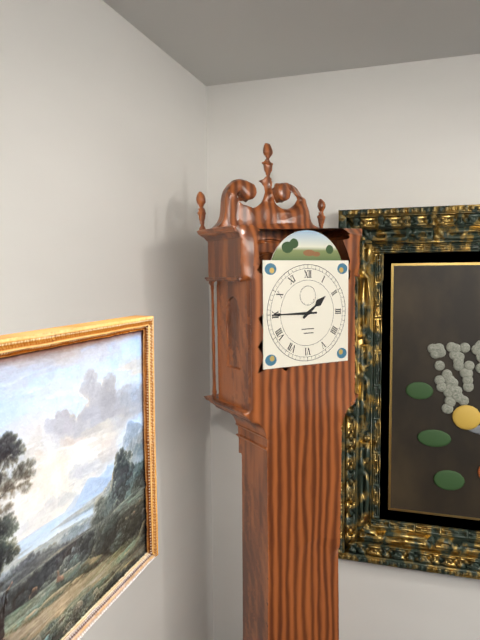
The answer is 1:45
